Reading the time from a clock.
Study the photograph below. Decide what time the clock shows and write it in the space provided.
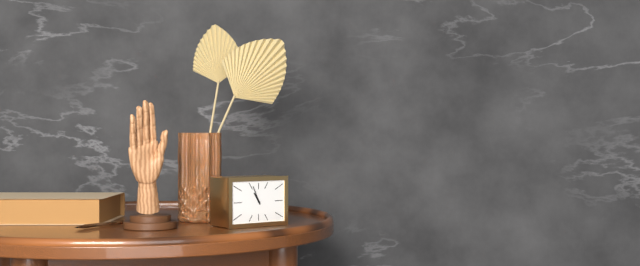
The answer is 10:56
